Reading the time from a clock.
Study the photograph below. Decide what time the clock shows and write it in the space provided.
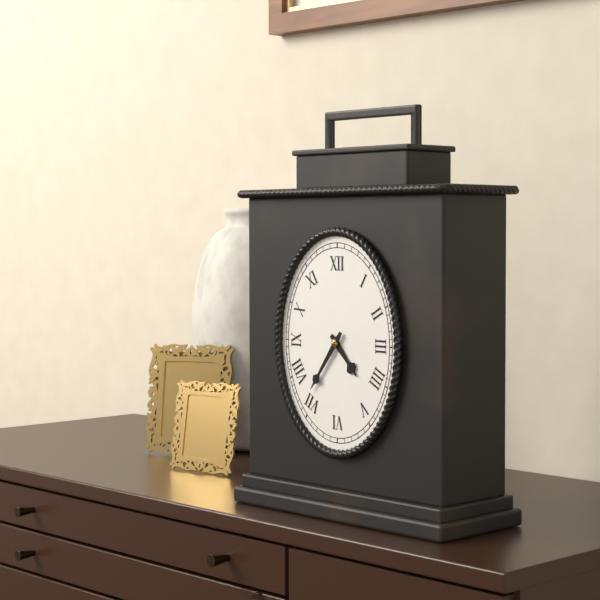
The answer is 4:36
